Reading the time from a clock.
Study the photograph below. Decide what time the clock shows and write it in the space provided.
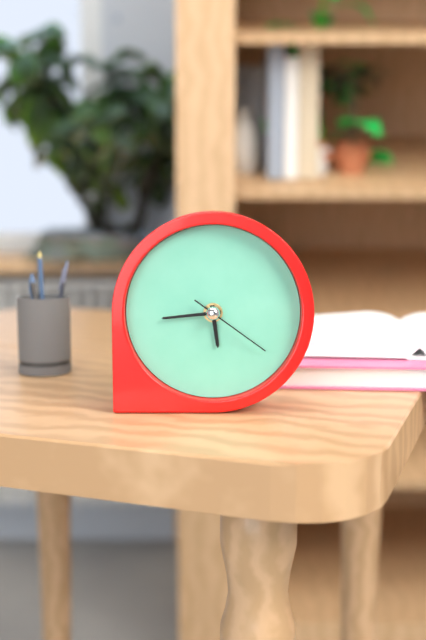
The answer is 5:44:21
